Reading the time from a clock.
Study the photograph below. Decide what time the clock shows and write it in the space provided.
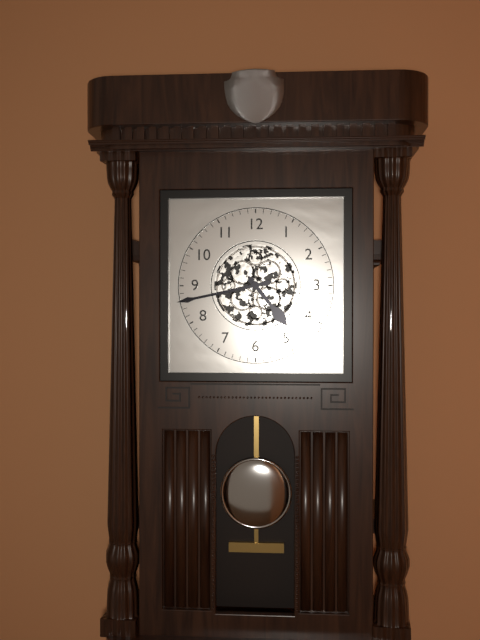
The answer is 4:43
